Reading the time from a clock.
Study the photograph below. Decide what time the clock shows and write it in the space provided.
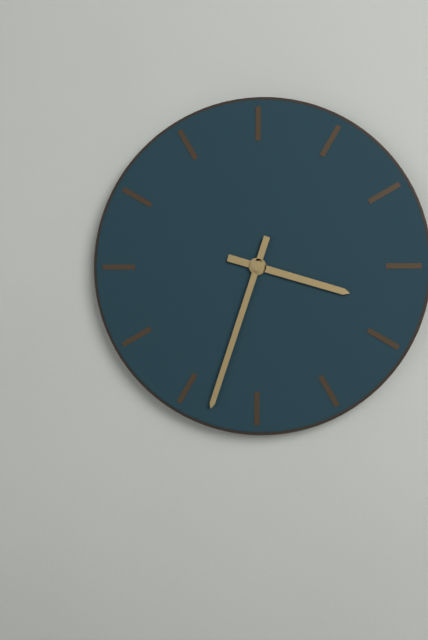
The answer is 3:33
